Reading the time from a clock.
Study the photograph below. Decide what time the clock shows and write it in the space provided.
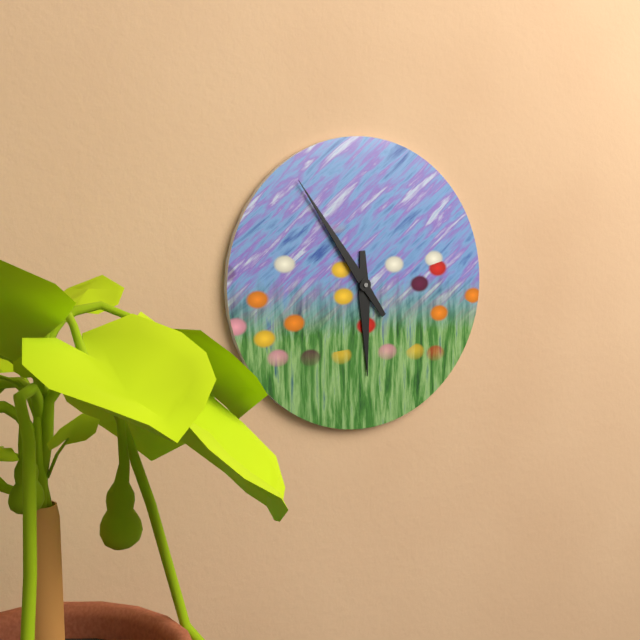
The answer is 5:54
